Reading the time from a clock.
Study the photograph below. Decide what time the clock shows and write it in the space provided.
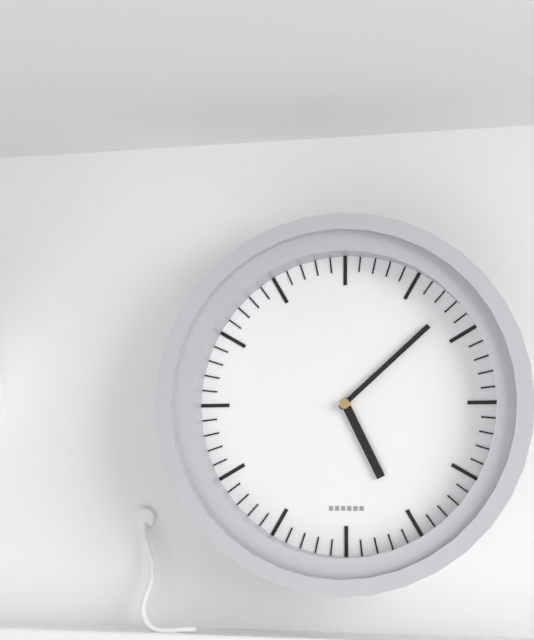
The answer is 5:08
